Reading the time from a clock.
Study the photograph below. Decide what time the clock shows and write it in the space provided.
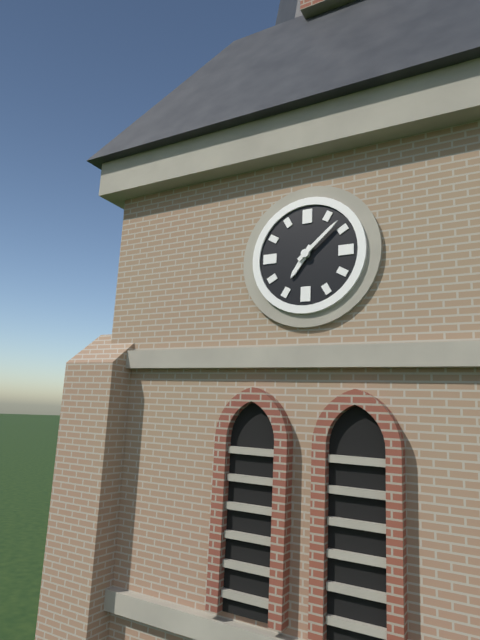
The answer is 7:08
